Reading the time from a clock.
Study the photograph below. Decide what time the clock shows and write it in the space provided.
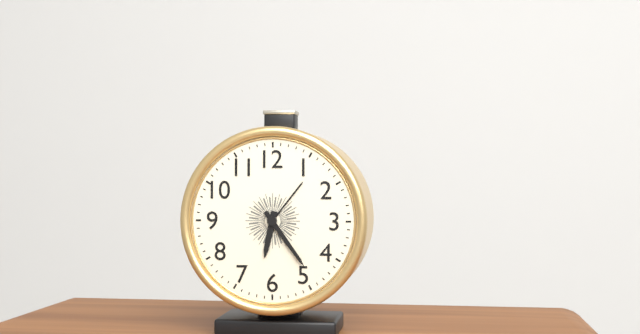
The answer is 6:24
